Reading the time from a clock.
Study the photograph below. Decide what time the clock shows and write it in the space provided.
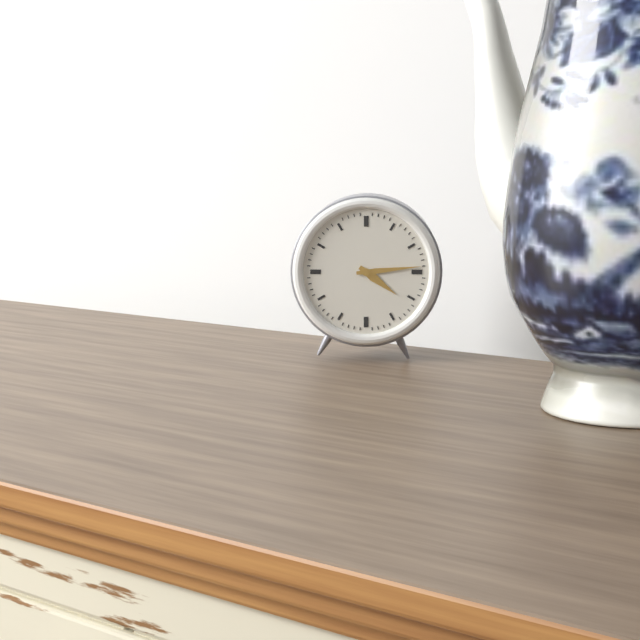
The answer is 4:14
